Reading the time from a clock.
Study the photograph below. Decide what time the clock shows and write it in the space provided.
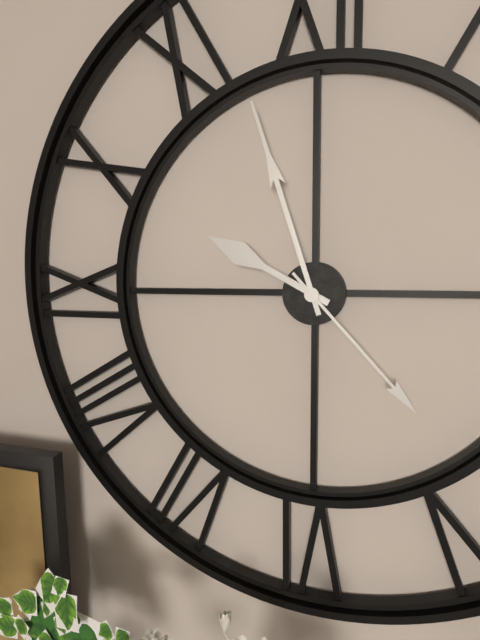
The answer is 9:57:23
